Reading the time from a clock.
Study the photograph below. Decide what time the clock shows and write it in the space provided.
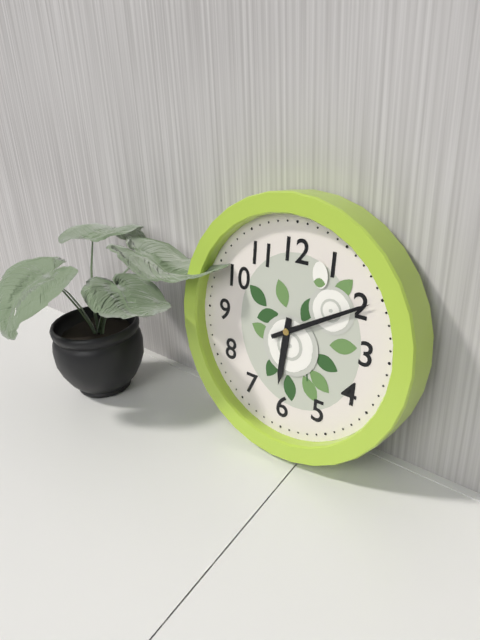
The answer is 6:10
